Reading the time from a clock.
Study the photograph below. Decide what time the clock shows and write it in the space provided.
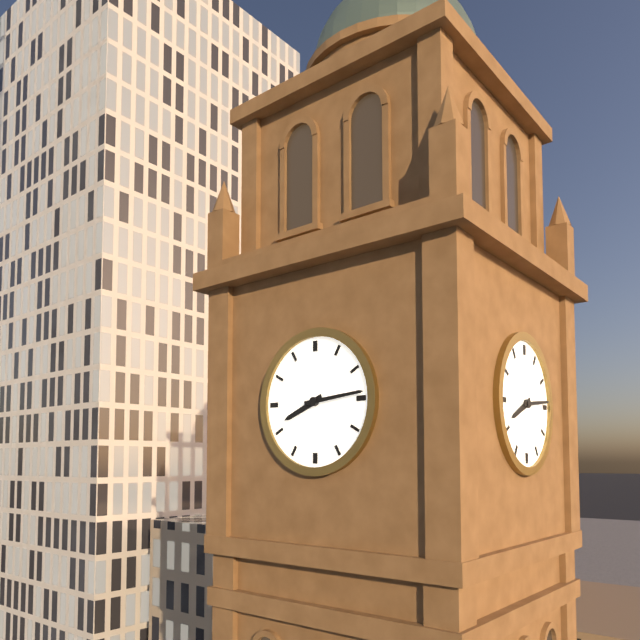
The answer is 8:14
